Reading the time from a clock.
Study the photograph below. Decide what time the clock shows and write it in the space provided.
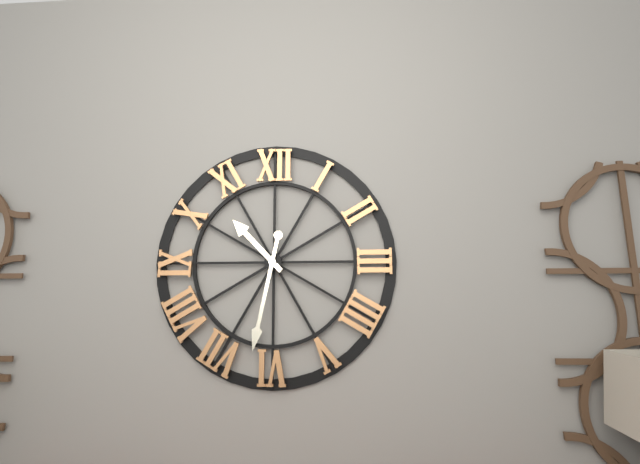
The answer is 10:32
